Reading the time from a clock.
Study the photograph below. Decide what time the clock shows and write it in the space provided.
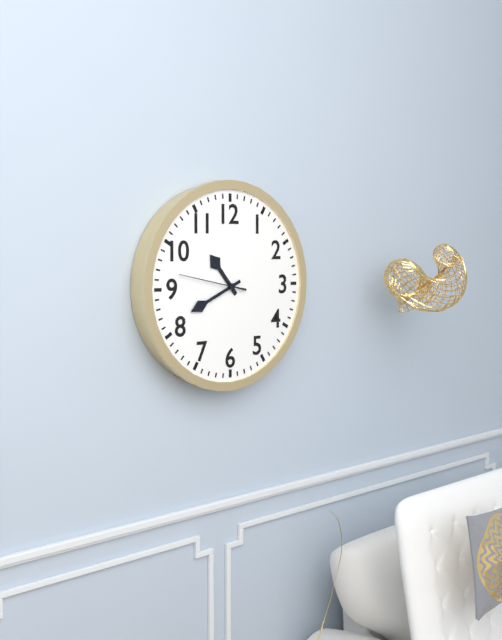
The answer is 10:41:47
